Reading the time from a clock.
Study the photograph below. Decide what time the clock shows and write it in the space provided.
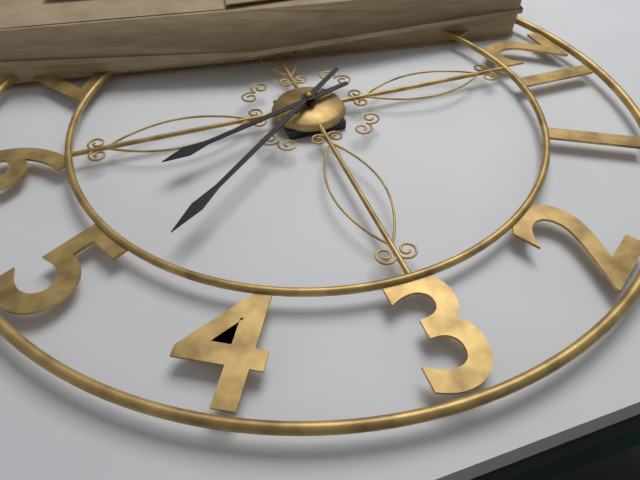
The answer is 5:23
